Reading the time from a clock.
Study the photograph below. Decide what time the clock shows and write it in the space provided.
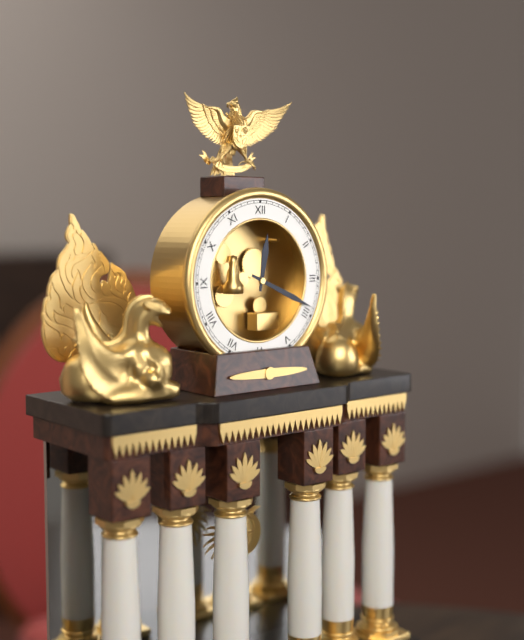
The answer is 12:19
